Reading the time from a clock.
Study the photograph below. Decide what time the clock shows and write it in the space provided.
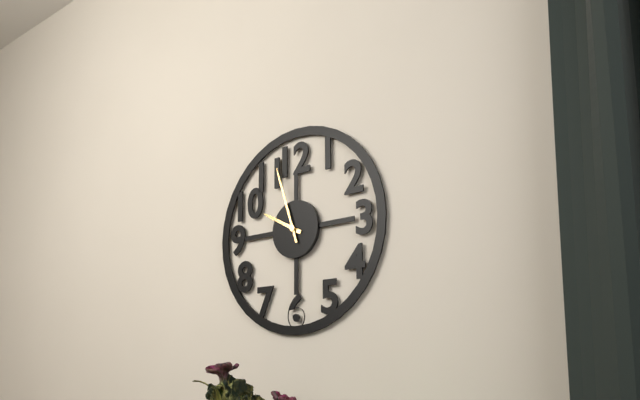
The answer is 9:57
